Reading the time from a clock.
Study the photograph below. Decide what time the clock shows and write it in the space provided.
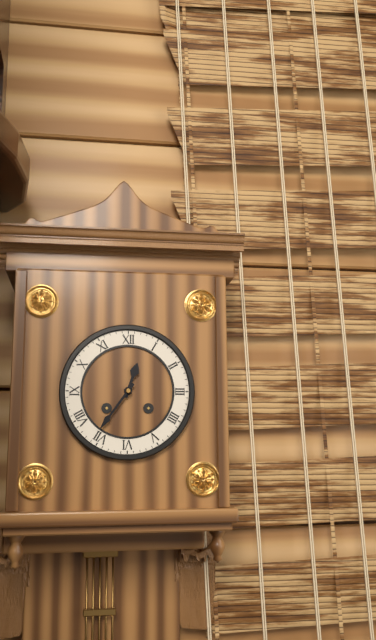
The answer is 12:36
